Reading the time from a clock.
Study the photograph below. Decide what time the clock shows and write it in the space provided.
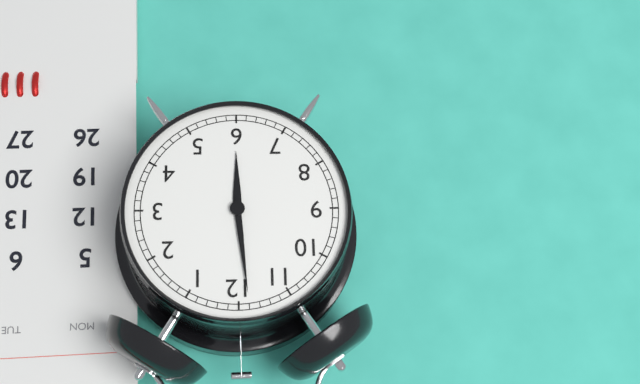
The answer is 5:59
